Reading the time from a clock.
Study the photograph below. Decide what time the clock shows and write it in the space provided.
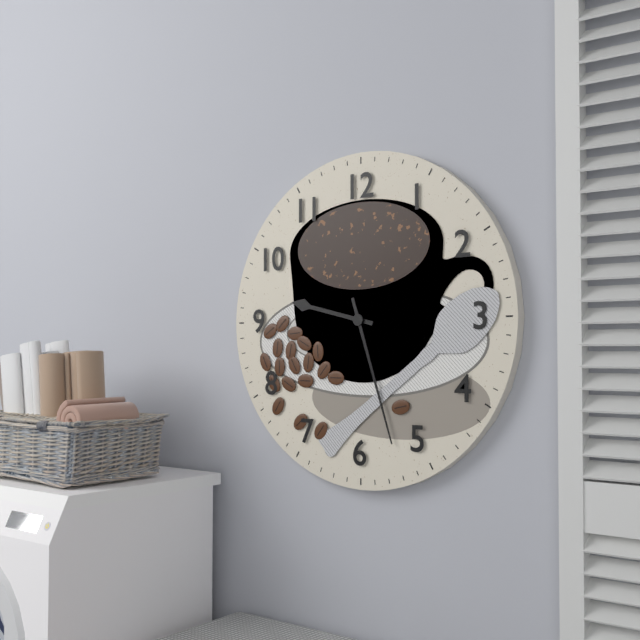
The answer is 9:27
